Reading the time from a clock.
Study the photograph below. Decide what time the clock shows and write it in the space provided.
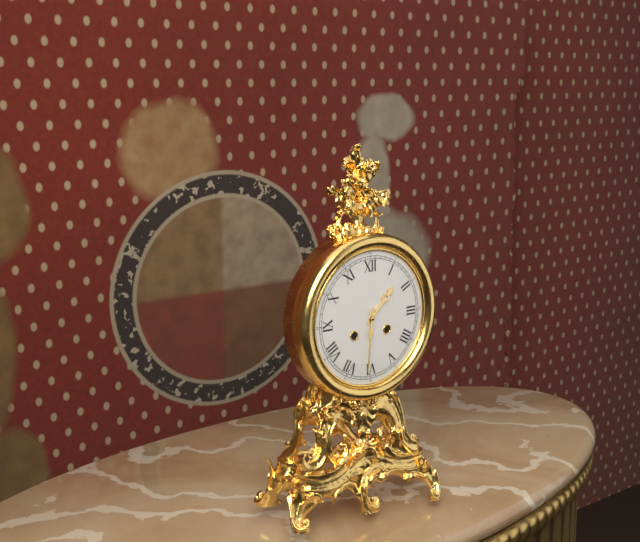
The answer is 1:31
